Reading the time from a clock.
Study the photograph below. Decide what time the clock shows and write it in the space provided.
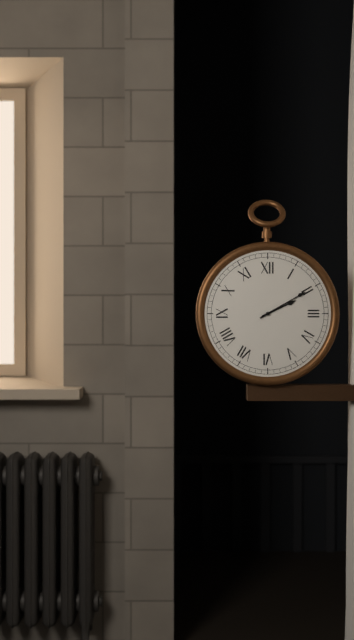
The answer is 2:10
